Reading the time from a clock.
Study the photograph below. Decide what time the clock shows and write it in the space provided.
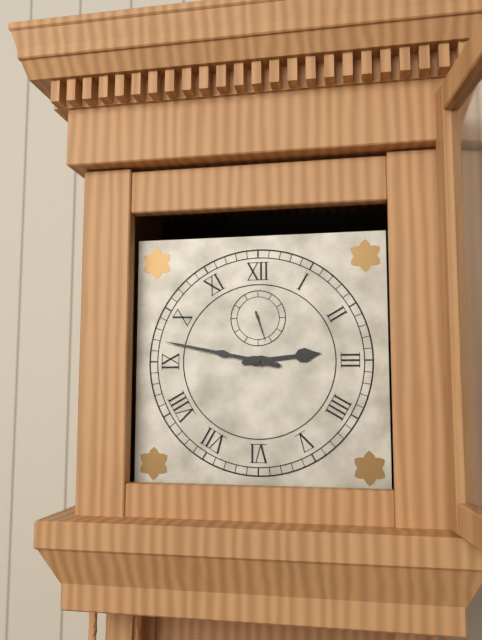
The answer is 2:47
